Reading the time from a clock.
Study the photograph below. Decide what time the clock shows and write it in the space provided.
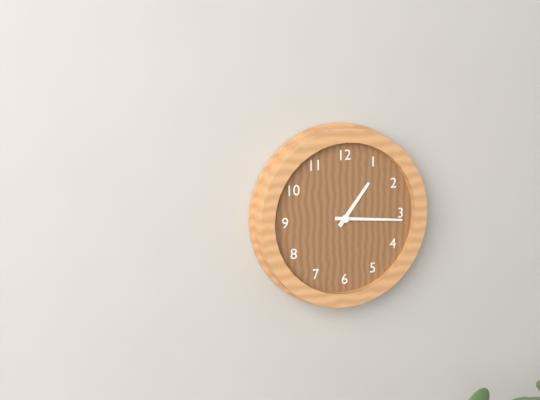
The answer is 1:16
